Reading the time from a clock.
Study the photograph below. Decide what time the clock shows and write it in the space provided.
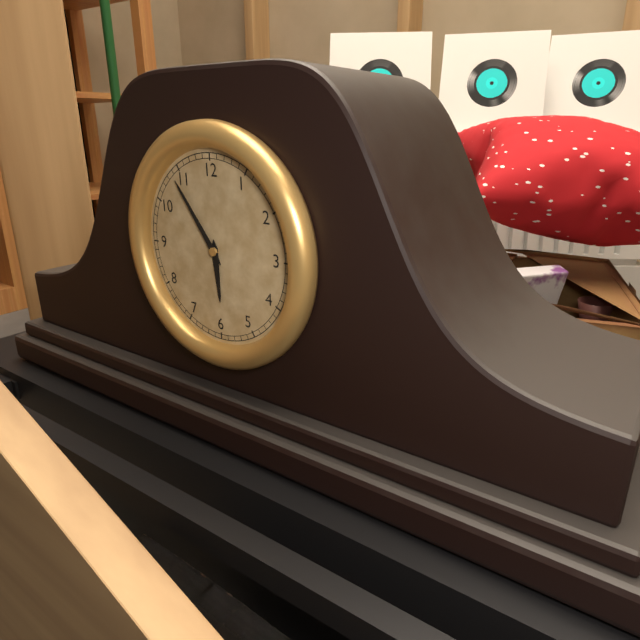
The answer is 5:54
